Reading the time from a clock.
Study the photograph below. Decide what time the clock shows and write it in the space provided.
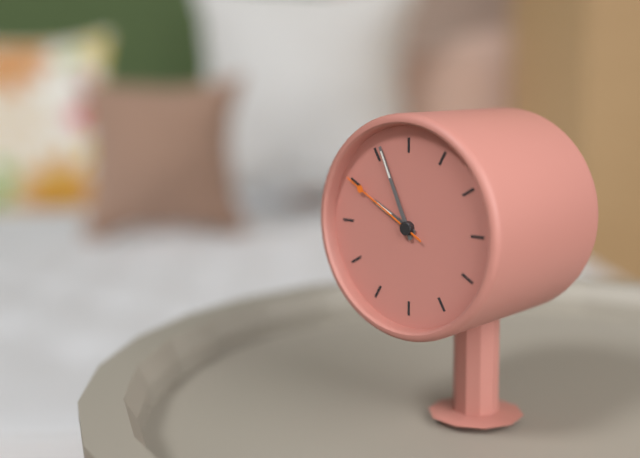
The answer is 9:56:50
